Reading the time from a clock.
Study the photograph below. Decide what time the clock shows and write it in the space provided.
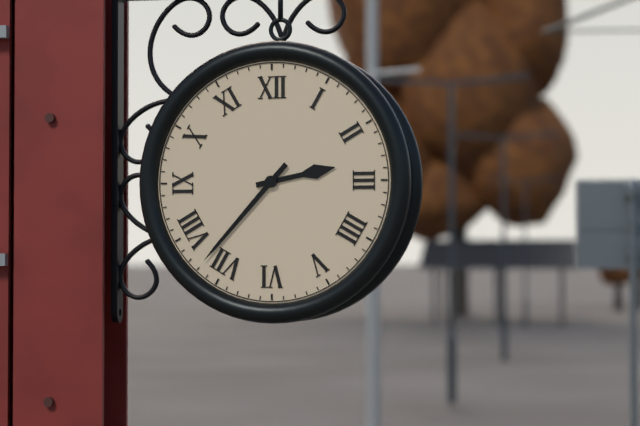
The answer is 2:37
